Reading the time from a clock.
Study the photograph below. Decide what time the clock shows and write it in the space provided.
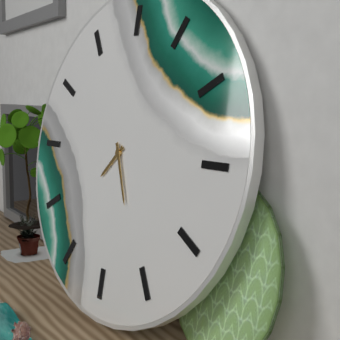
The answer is 7:26
